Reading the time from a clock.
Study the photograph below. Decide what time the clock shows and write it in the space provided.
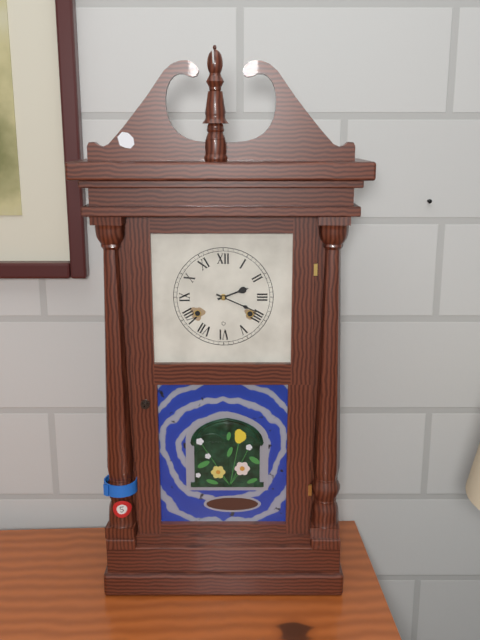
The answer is 2:19
